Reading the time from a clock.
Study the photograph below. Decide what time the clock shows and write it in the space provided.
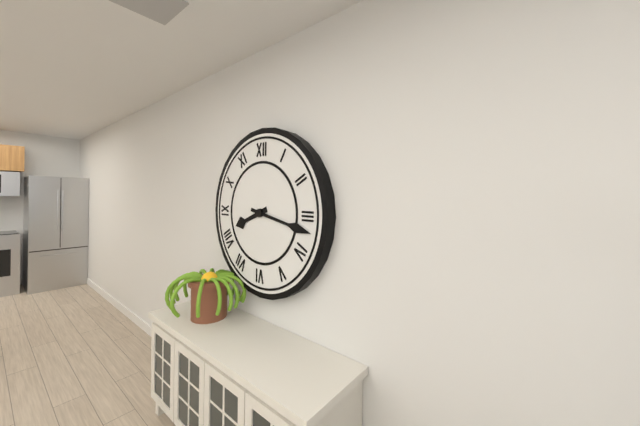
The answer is 8:17
